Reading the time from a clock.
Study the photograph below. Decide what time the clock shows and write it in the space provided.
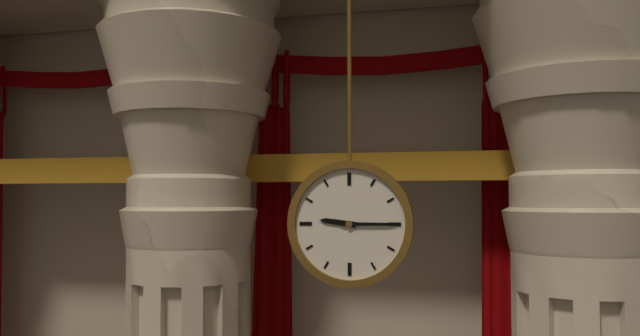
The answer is 9:15
